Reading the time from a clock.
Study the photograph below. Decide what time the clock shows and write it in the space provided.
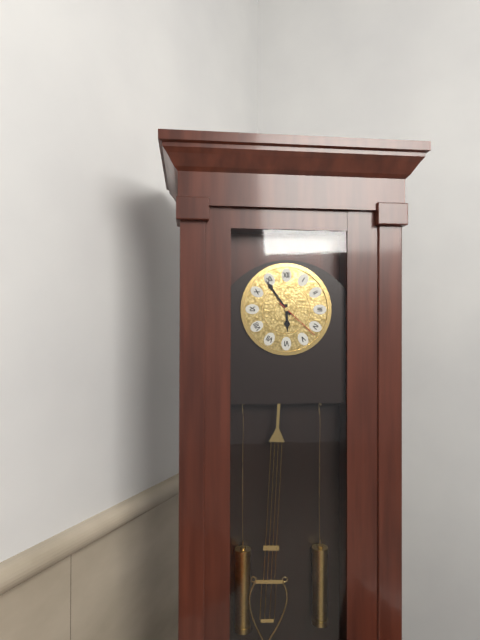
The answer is 5:54
